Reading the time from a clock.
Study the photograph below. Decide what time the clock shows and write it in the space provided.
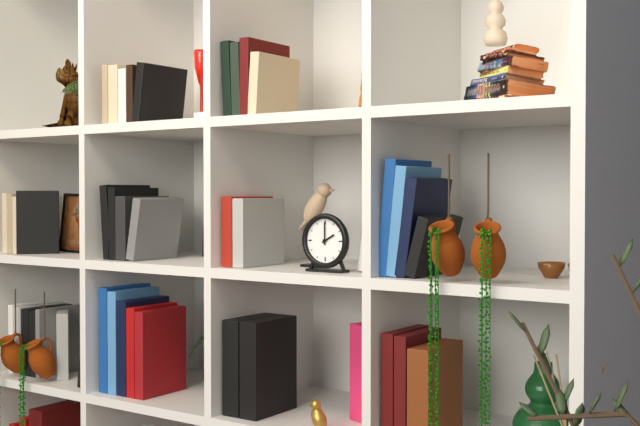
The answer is 2:00
